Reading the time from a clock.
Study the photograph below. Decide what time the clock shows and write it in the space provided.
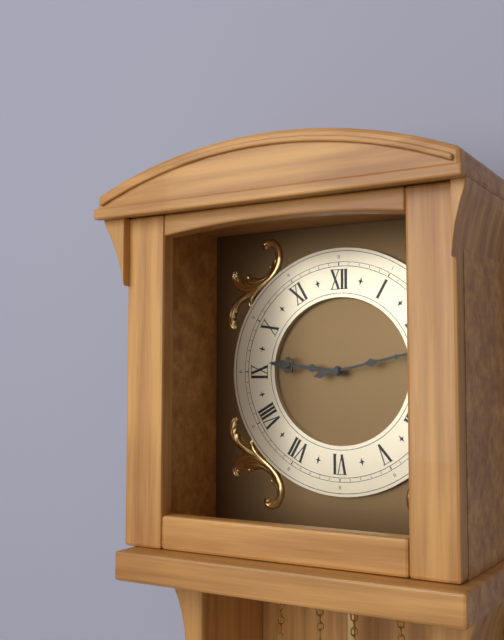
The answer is 9:13
